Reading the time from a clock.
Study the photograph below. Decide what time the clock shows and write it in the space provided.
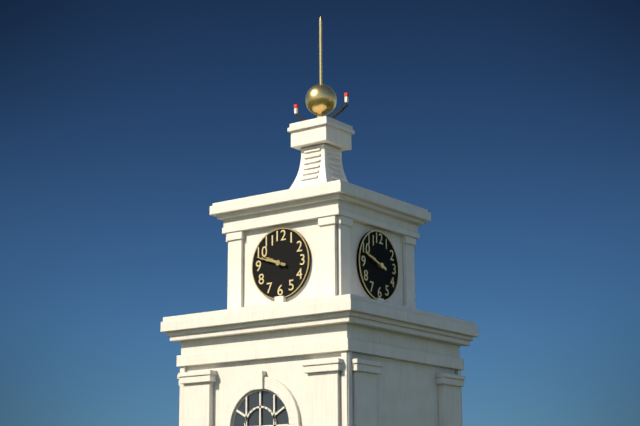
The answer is 9:48
